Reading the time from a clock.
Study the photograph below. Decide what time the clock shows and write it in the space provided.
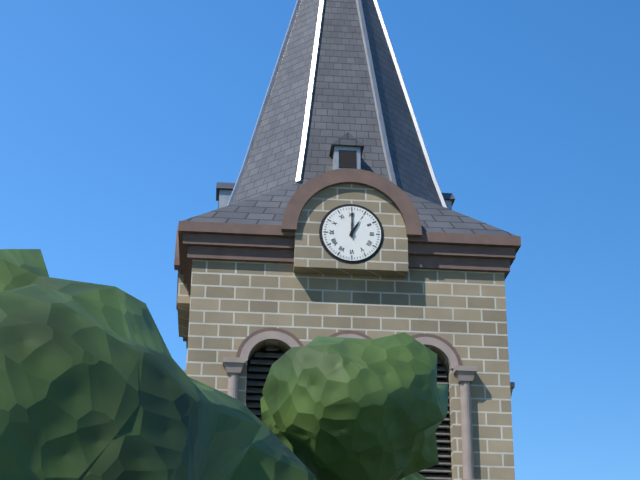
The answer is 1:00
